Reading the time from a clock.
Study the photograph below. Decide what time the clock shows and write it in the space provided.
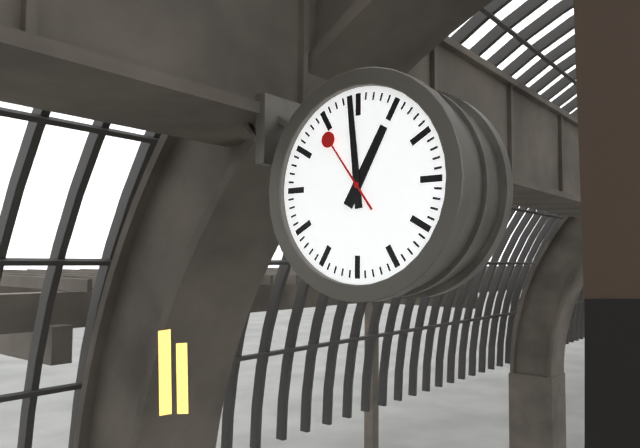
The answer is 12:59:54
